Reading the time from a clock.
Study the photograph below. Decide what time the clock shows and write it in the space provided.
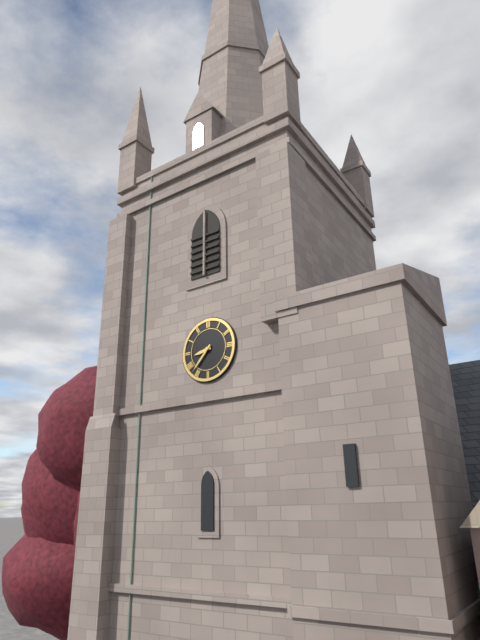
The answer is 8:37
